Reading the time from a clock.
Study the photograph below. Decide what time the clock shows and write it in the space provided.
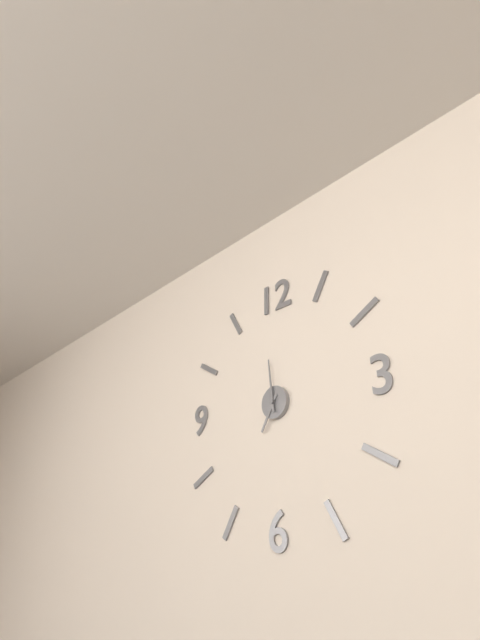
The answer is 6:59
